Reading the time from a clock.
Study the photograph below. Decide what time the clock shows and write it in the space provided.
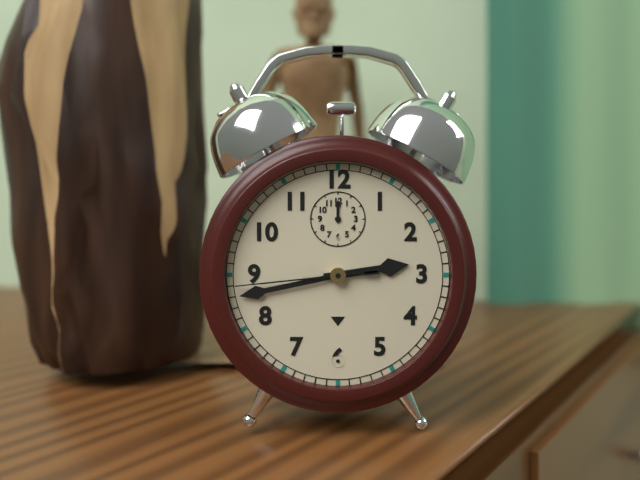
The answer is 2:43:44
